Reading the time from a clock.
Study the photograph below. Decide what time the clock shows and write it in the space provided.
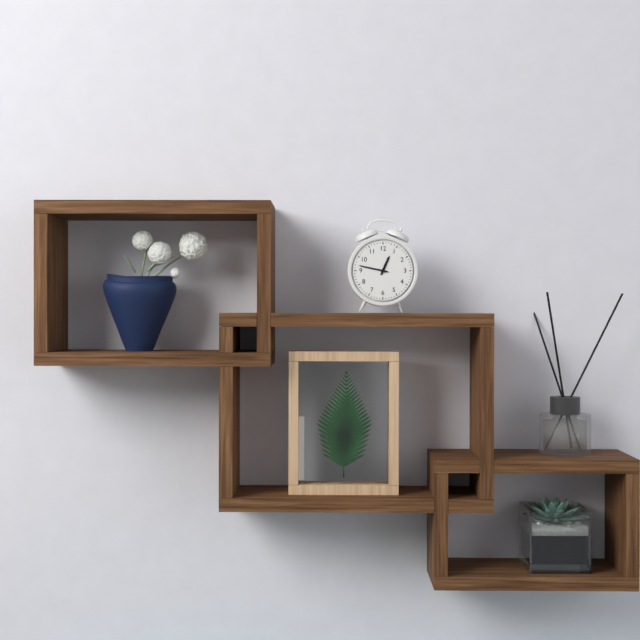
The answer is 12:47
